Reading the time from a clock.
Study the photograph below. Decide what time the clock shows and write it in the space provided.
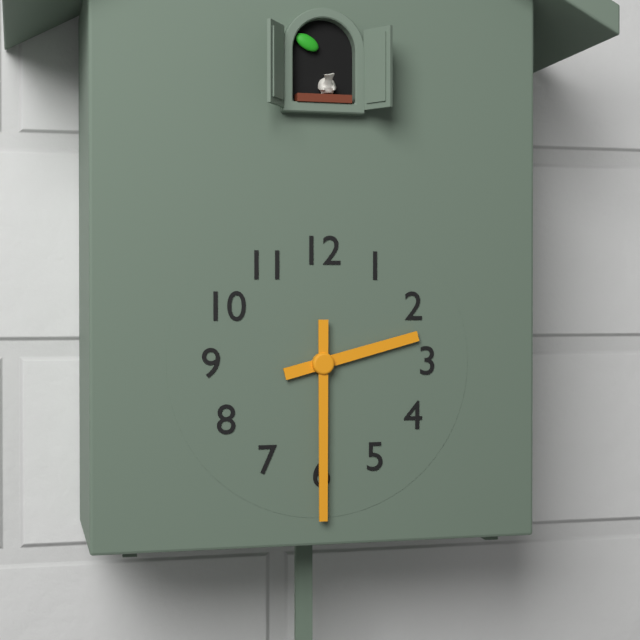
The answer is 2:30
